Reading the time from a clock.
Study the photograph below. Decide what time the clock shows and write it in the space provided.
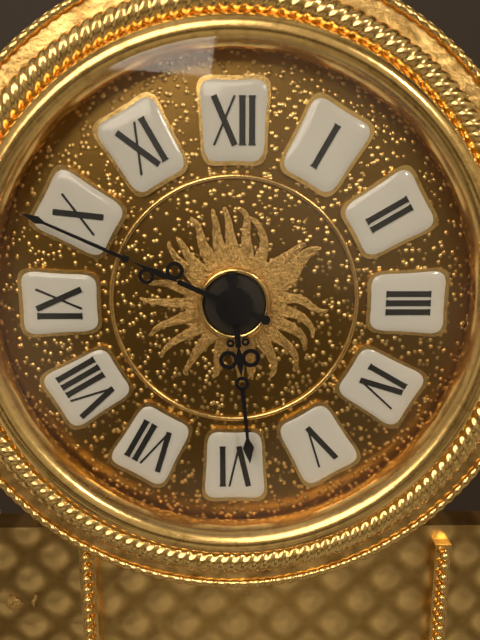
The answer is 5:49
